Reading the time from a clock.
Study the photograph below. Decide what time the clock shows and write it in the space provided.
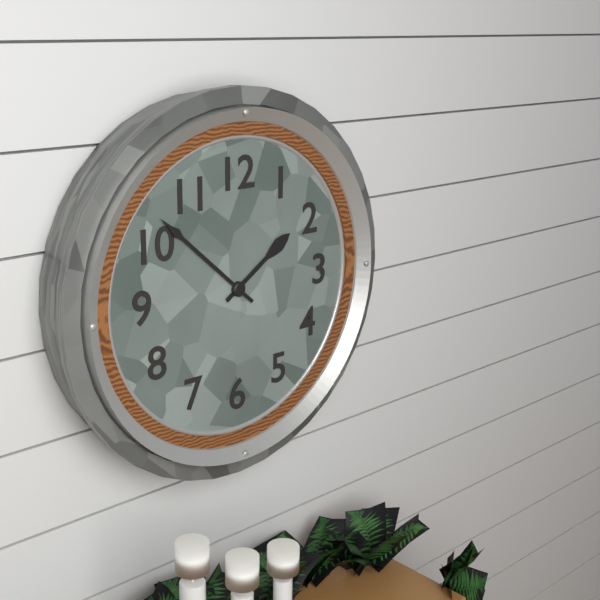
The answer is 1:52
